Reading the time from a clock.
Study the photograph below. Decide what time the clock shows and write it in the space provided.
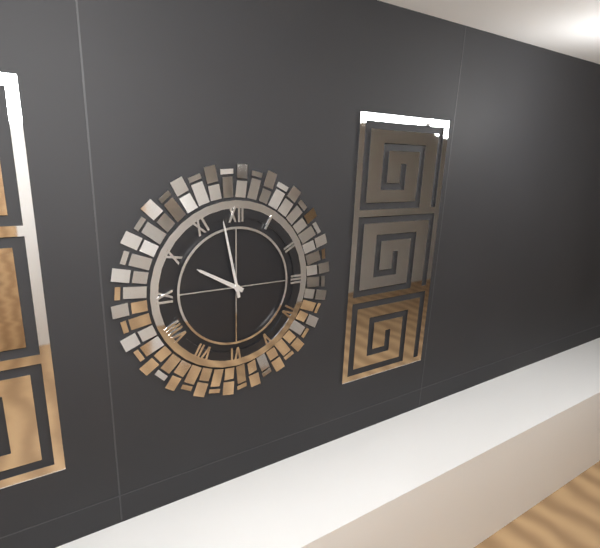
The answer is 9:58
